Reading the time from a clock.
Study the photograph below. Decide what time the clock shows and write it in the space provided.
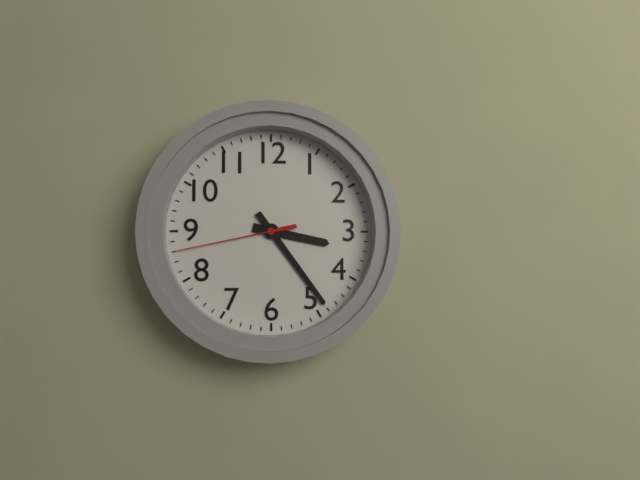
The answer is 3:24:43
